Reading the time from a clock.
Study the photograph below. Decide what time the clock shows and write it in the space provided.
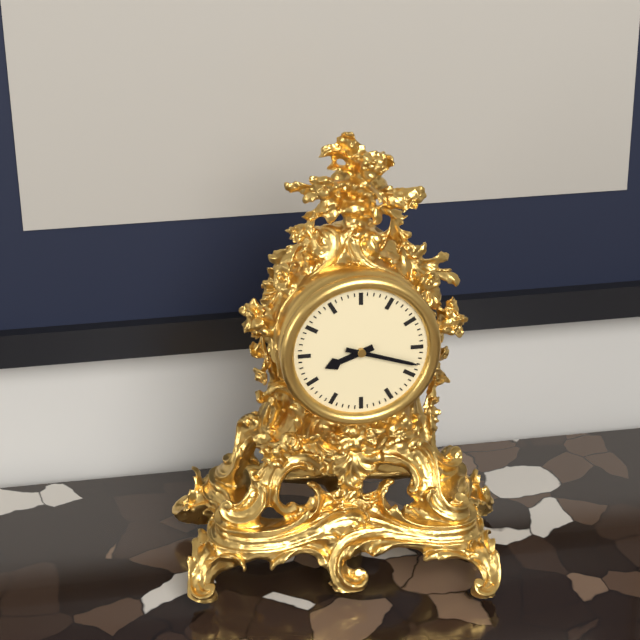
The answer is 8:18
